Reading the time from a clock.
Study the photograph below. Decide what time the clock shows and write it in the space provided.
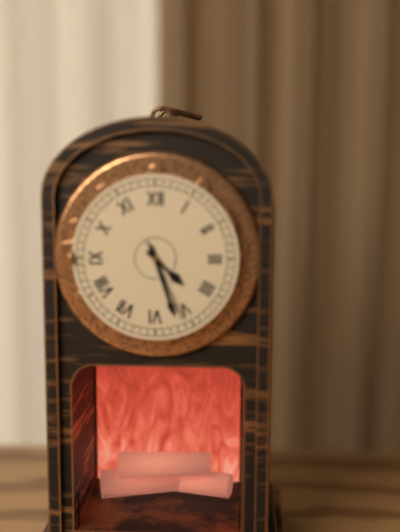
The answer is 4:27:26
